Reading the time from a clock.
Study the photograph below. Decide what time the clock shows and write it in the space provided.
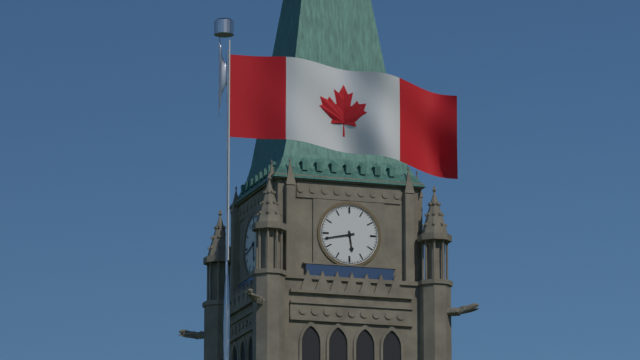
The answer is 5:43
